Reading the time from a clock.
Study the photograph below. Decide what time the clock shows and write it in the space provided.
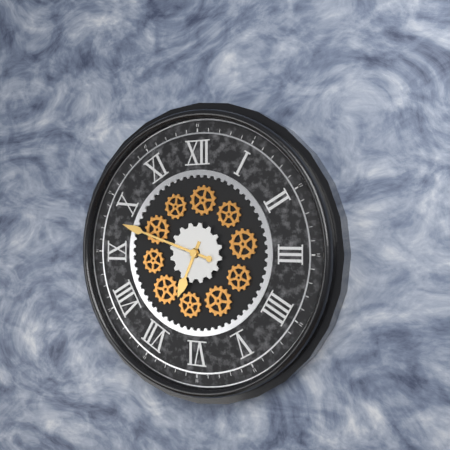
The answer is 6:48
